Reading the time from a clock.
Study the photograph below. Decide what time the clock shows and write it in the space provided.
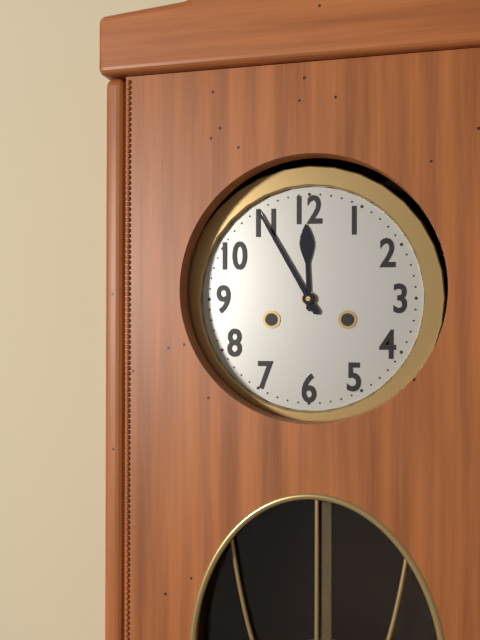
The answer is 11:55
